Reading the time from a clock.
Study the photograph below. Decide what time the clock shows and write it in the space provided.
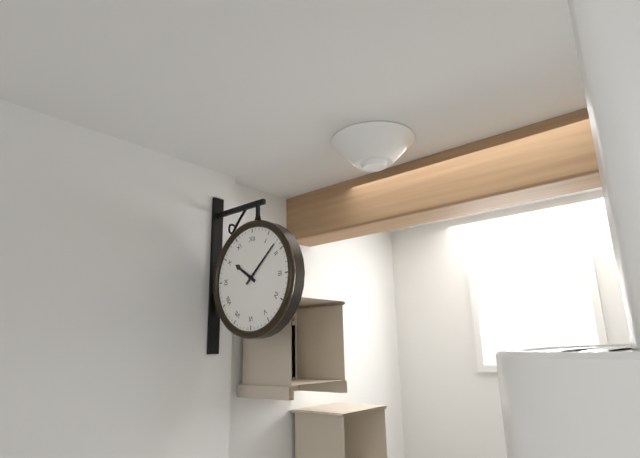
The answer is 10:08
